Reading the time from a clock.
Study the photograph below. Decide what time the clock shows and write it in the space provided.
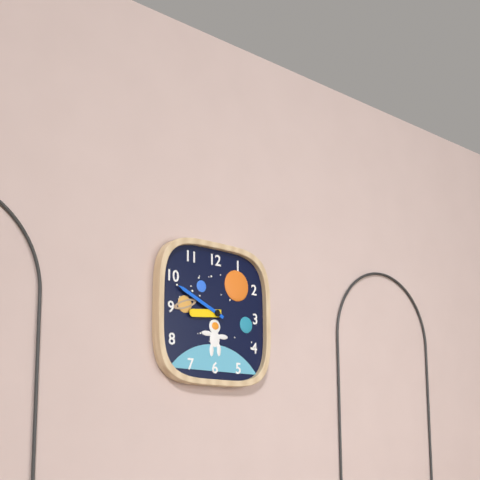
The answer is 8:49
